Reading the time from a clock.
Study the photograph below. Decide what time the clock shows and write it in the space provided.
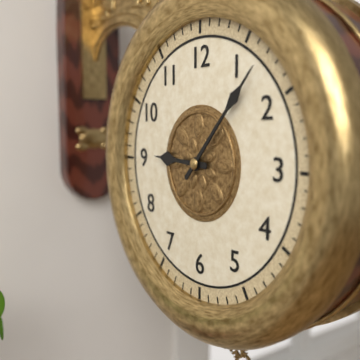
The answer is 9:07
